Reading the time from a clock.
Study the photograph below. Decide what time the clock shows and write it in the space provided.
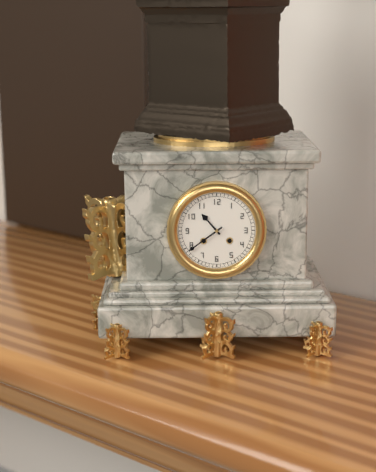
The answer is 10:39
